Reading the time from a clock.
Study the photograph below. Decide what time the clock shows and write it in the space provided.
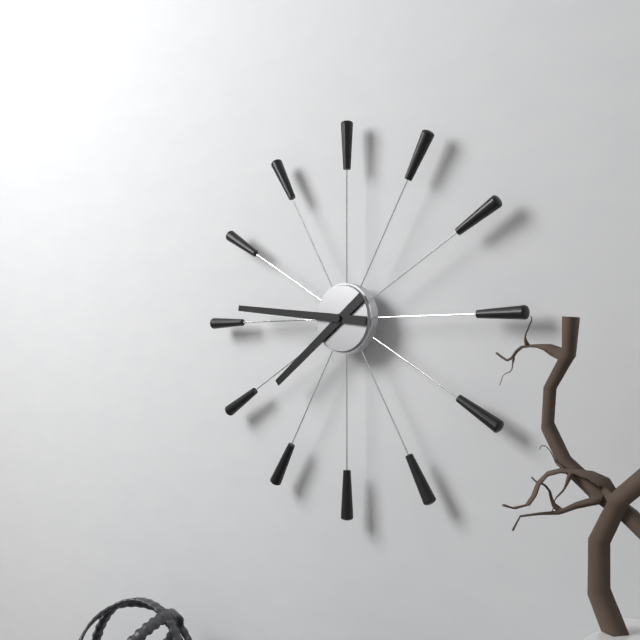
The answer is 7:46
